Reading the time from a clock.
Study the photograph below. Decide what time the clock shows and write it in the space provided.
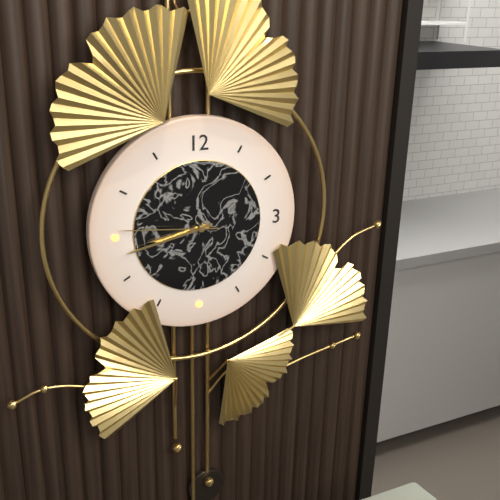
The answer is 8:43:46
